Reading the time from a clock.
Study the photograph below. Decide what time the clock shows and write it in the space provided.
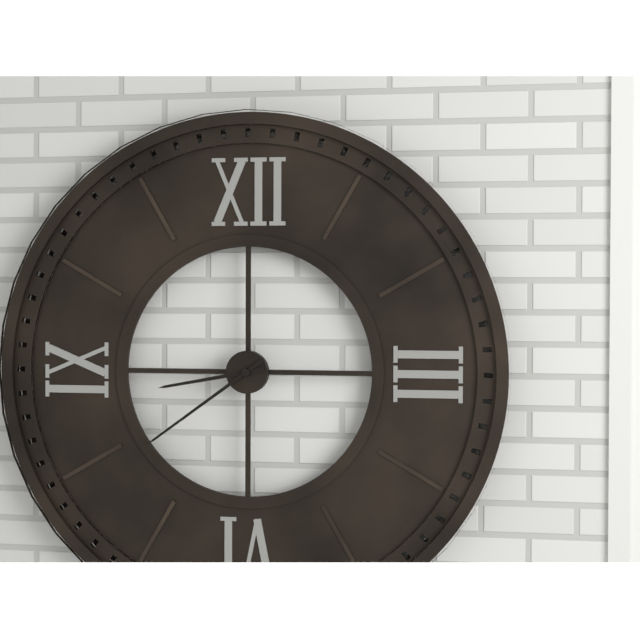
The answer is 8:39
